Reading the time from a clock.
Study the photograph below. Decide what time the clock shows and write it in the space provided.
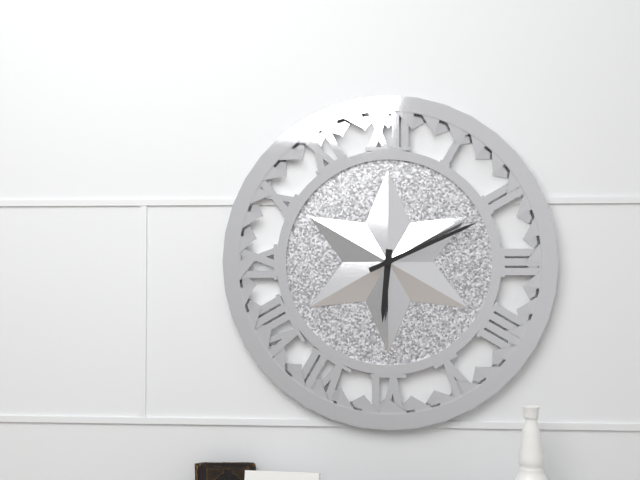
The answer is 6:11
